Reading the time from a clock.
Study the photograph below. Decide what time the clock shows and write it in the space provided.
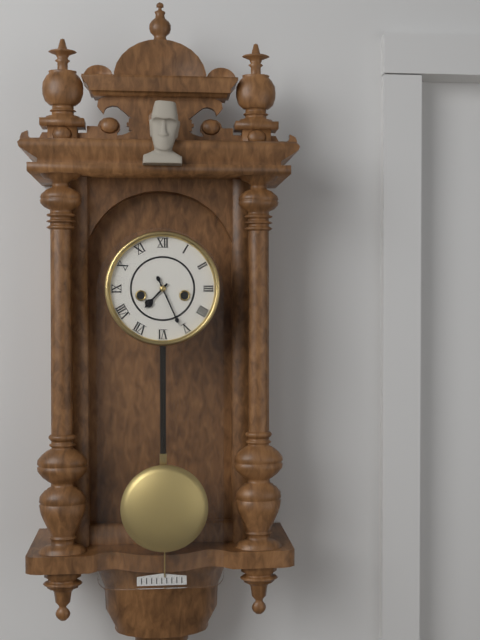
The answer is 7:26
